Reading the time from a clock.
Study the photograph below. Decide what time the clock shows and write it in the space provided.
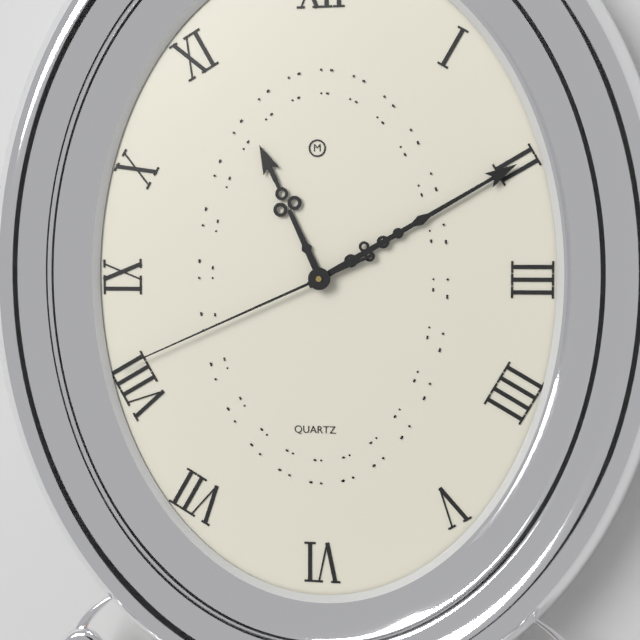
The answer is 11:10:41
